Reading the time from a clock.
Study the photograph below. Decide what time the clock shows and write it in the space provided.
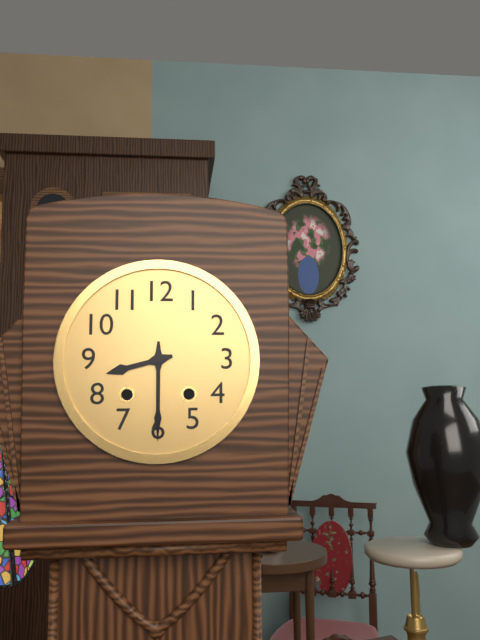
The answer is 8:30
